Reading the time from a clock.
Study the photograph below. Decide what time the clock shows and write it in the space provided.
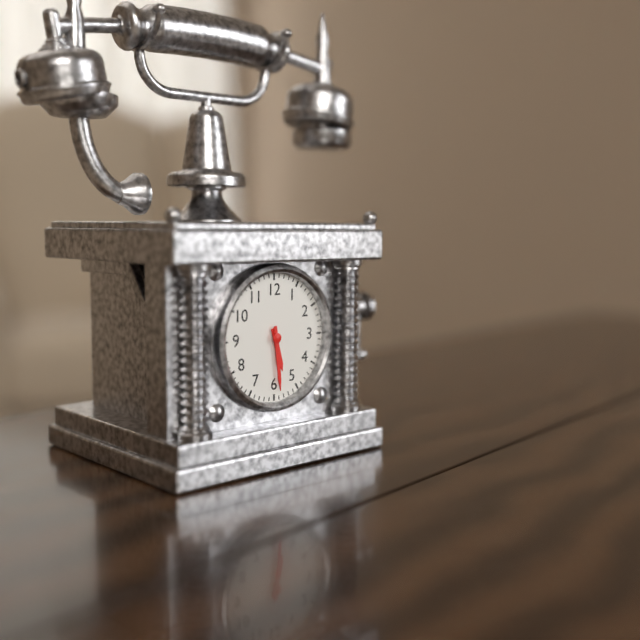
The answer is 5:29
